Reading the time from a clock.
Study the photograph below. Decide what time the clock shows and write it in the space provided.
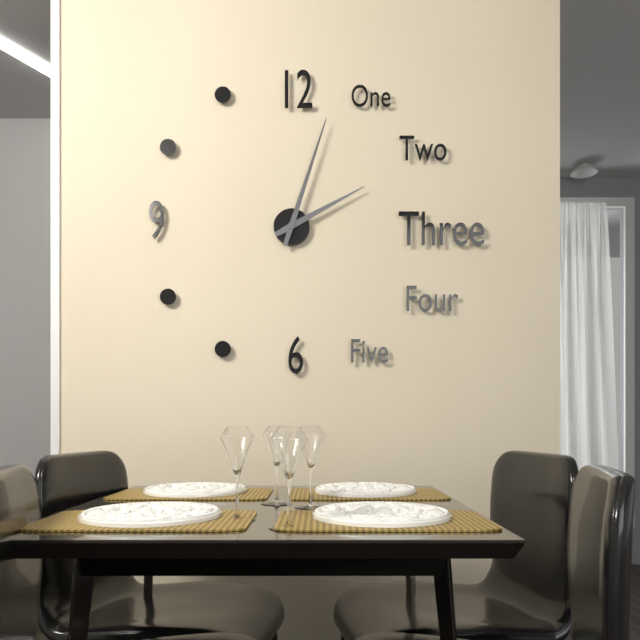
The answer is 2:03
